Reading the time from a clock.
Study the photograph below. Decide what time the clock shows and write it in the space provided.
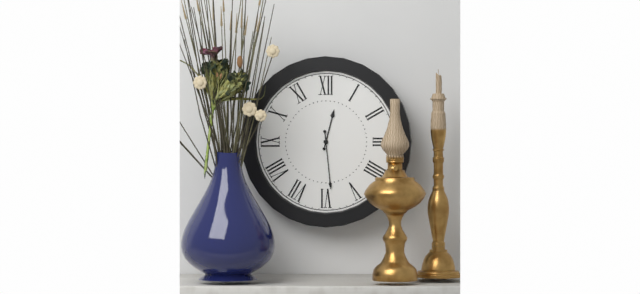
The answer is 12:29
